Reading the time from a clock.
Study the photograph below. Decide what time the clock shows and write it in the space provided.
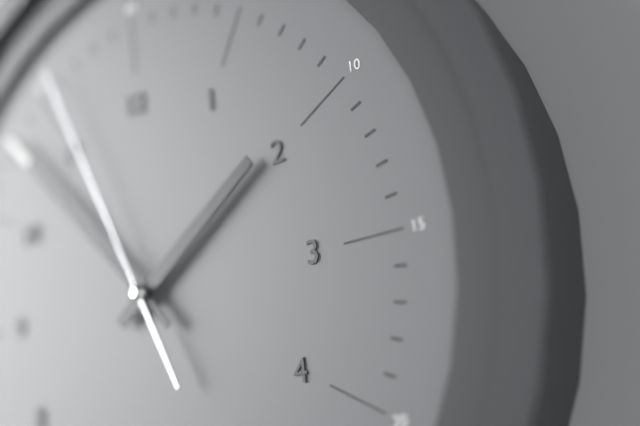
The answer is 1:53:56
